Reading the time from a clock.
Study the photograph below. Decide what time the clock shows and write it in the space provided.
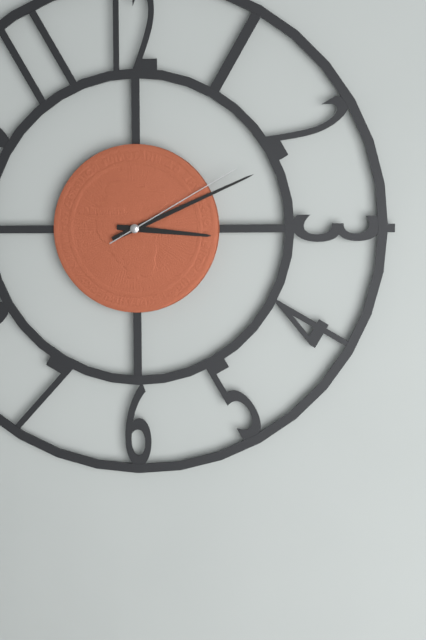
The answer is 3:11:10
